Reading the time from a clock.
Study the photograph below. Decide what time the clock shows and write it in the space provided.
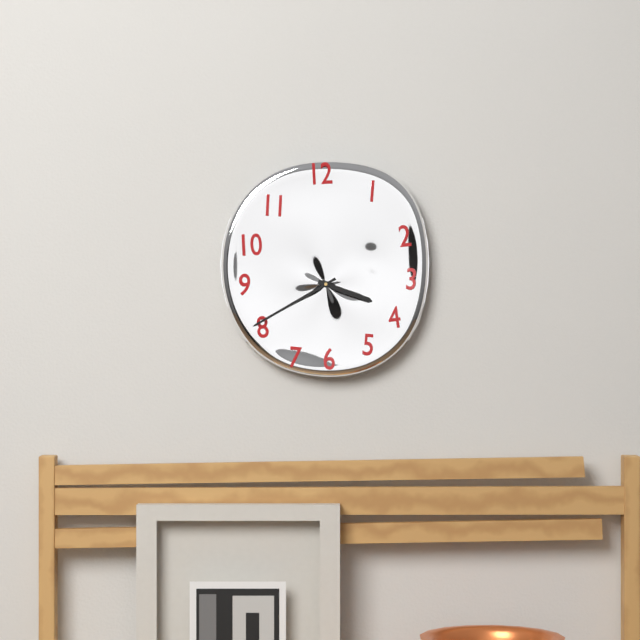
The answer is 3:40
